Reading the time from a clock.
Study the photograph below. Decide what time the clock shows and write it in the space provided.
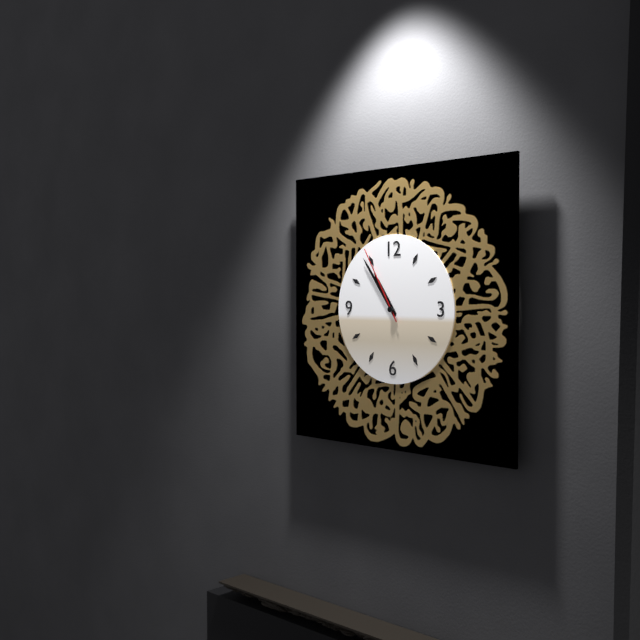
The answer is 10:54:55
